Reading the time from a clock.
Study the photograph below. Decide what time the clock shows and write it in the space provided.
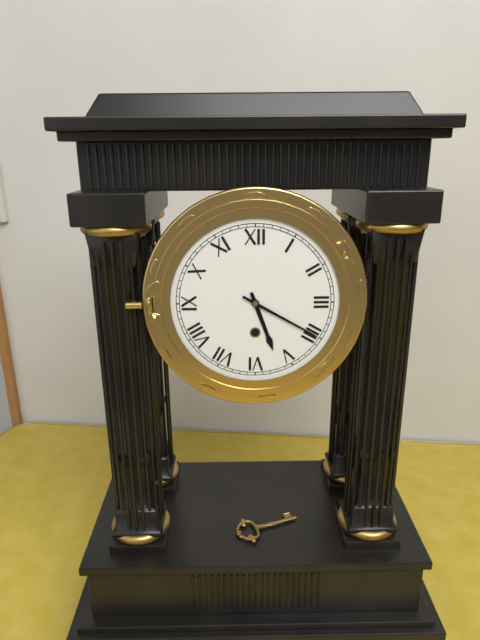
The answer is 5:20
